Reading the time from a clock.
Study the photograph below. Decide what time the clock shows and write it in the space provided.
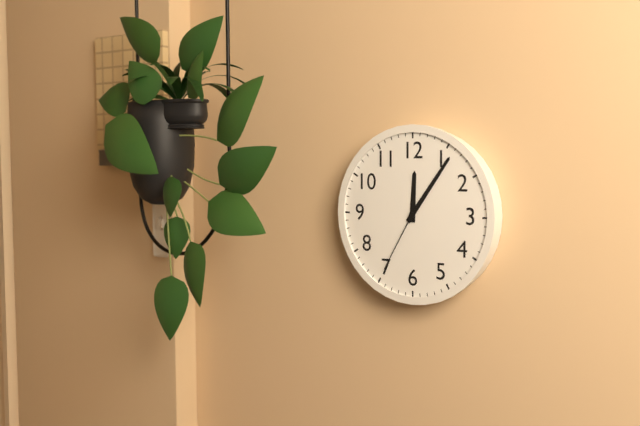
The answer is 12:06:35
